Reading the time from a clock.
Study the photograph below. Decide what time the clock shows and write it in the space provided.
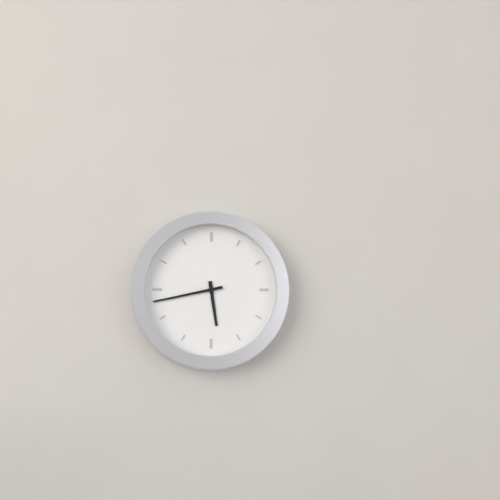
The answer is 5:43
